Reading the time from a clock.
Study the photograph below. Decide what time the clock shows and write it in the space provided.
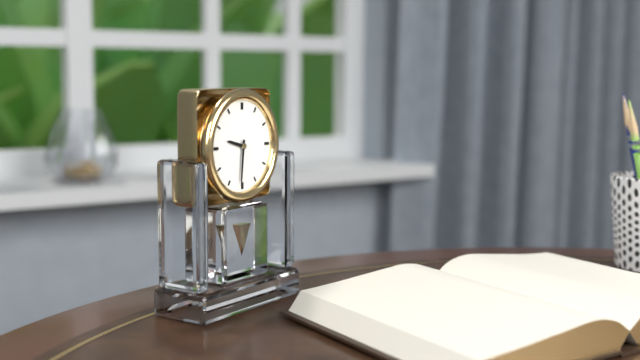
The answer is 9:31
